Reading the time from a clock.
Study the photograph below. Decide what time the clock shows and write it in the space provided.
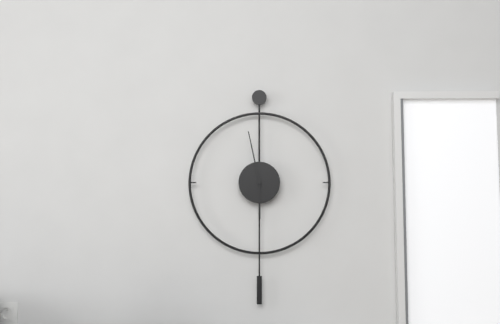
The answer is 5:58
